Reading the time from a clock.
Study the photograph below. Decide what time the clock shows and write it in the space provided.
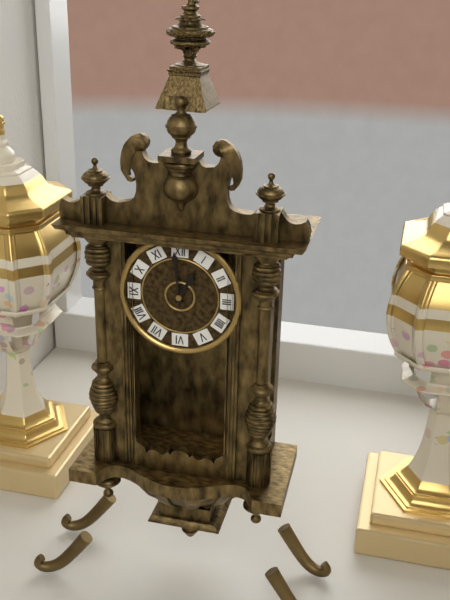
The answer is 12:59
